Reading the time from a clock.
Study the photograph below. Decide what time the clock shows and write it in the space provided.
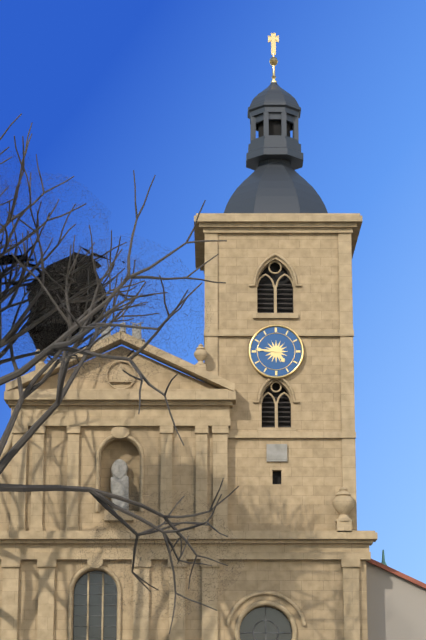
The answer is 4:46
